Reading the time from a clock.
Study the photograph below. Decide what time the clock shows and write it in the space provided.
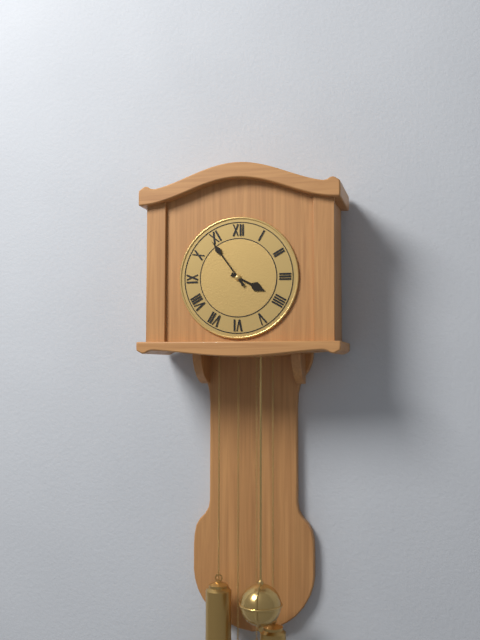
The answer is 3:54
